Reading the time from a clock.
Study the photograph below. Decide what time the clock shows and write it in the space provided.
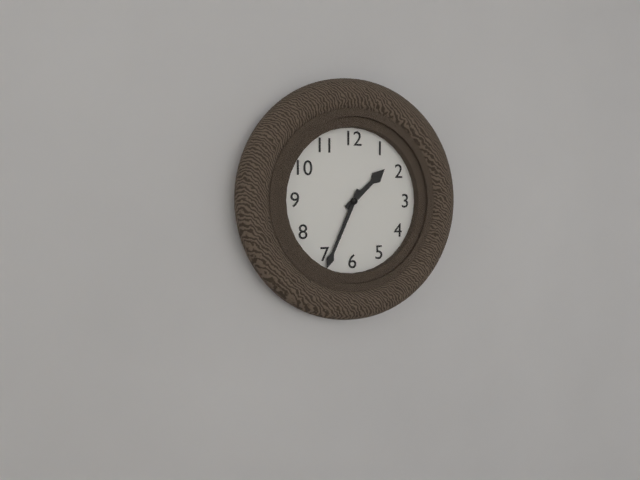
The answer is 1:34
